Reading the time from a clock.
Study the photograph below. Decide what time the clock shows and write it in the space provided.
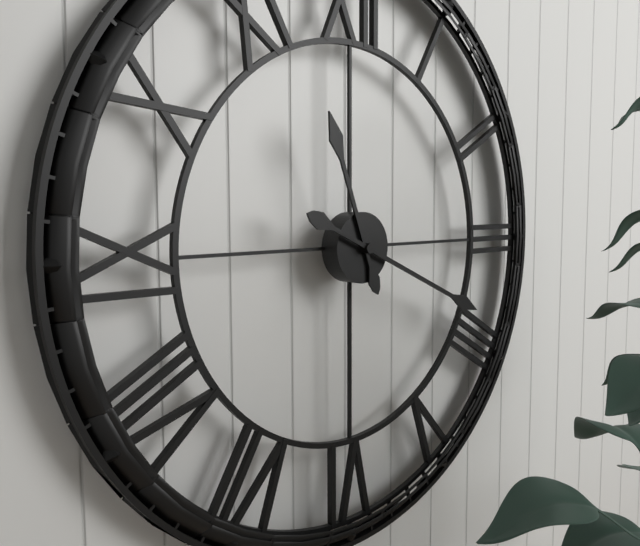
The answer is 11:19
